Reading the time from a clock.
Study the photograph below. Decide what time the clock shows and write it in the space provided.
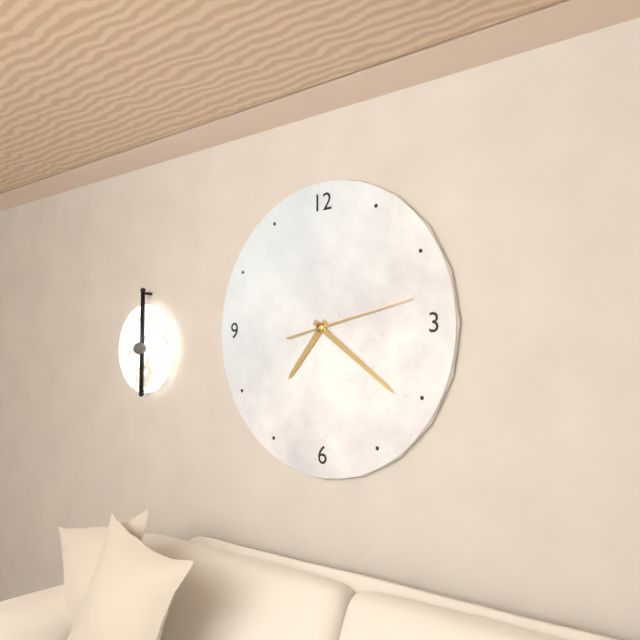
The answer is 7:21:13
